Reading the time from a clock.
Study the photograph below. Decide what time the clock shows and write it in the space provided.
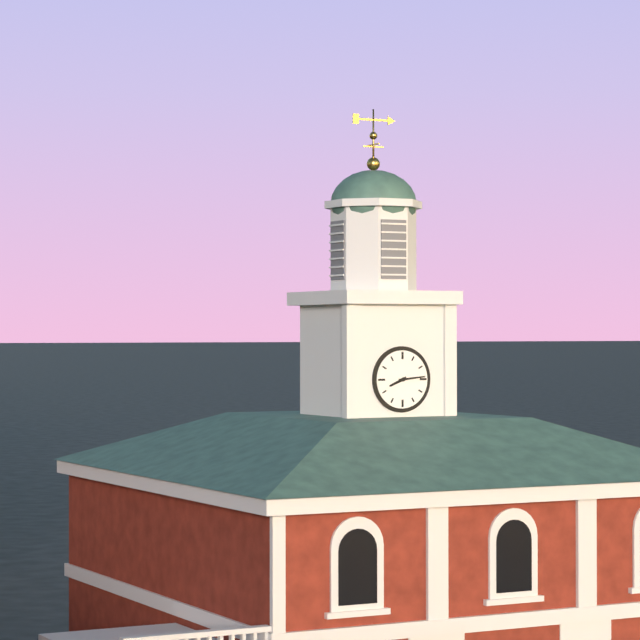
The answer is 8:14
